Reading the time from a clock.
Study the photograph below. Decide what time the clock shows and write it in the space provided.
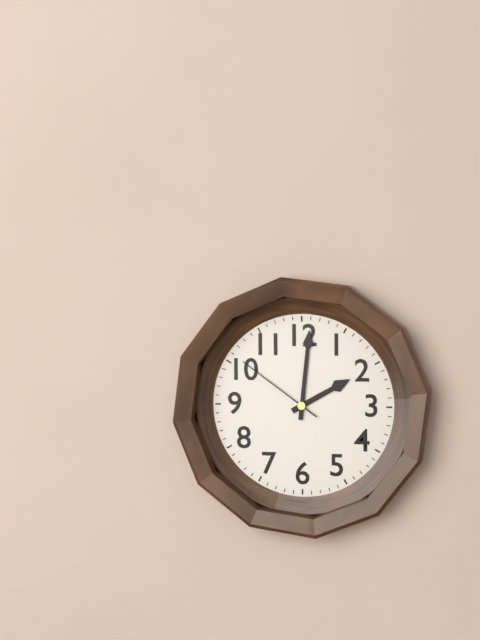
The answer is 2:01:51
